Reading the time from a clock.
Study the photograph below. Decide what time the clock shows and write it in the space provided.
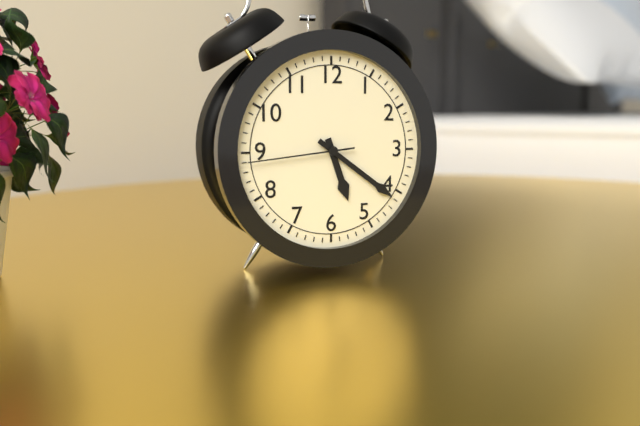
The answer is 5:21:44
